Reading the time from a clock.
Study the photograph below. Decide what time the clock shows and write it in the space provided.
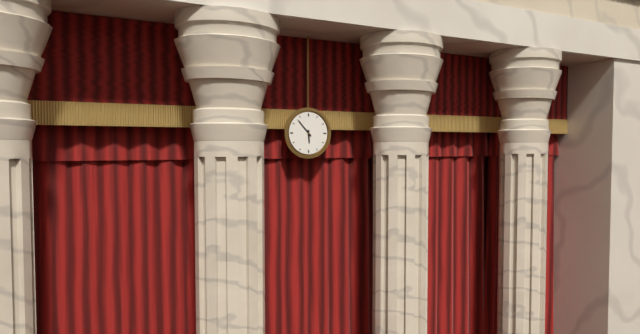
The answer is 5:53
